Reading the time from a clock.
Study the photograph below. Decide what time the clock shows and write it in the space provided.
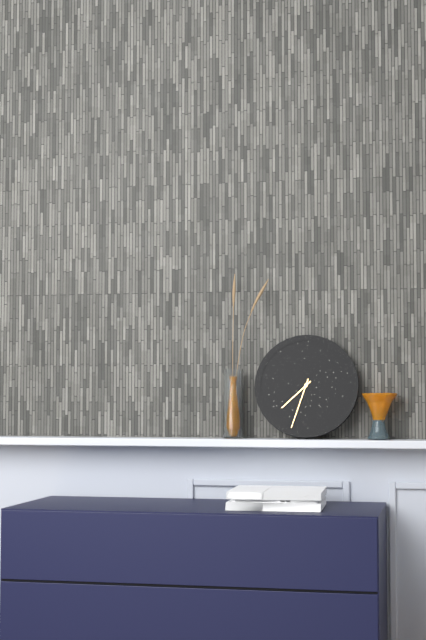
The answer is 7:33
